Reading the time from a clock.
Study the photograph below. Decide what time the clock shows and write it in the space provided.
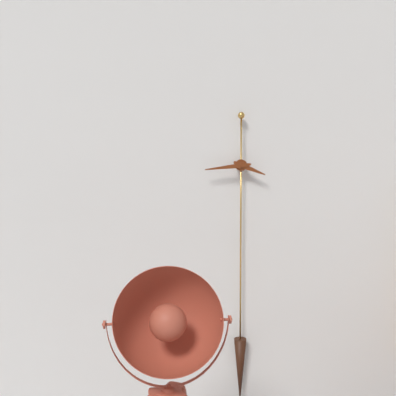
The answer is 3:44
